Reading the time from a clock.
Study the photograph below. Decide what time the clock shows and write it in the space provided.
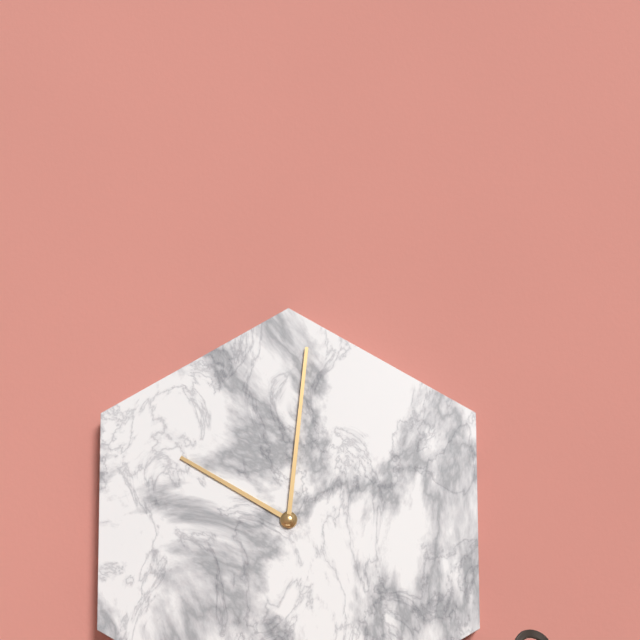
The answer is 10:01
